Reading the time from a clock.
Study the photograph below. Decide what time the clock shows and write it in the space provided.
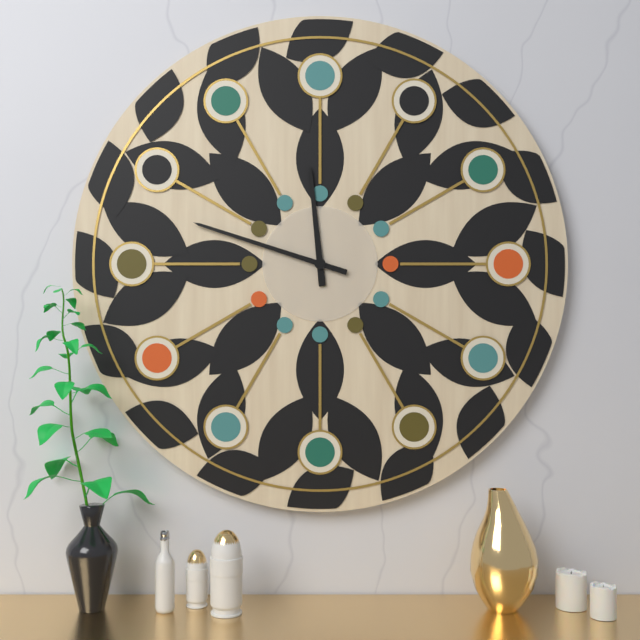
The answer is 11:48
